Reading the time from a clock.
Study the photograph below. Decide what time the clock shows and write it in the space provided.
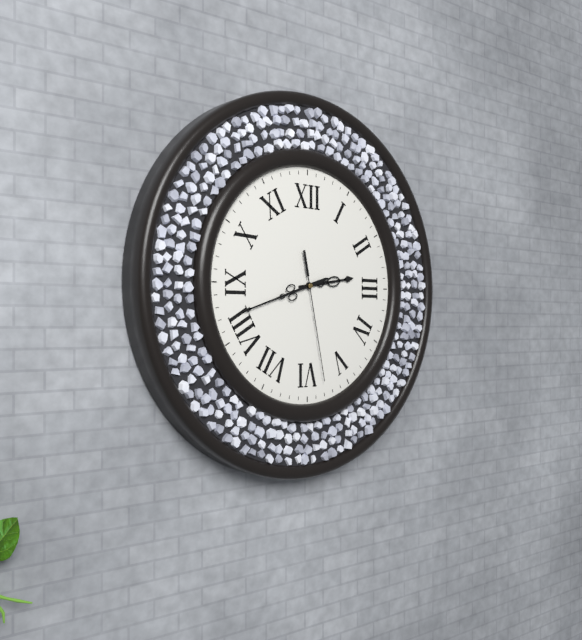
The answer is 2:42:28
